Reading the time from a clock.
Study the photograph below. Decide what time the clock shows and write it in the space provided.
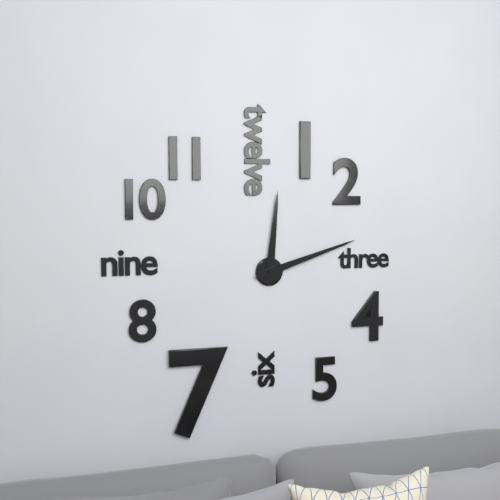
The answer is 12:12
